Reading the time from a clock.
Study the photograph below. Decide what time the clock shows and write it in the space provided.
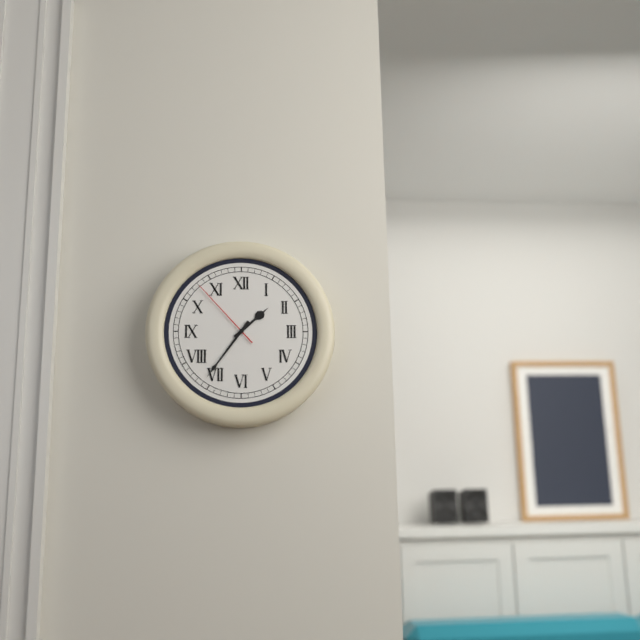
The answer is 1:36:53
